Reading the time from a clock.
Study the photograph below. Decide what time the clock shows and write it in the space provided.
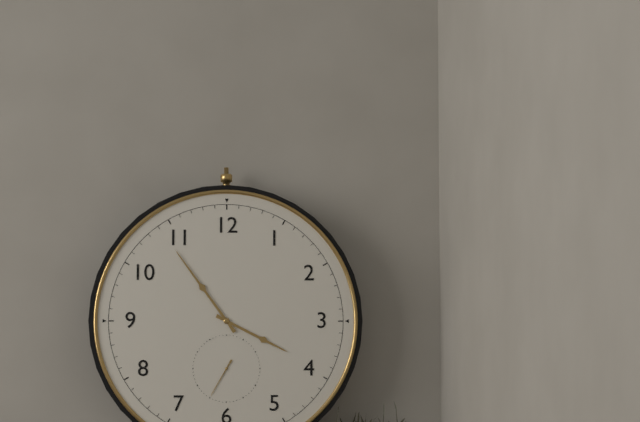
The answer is 3:54
